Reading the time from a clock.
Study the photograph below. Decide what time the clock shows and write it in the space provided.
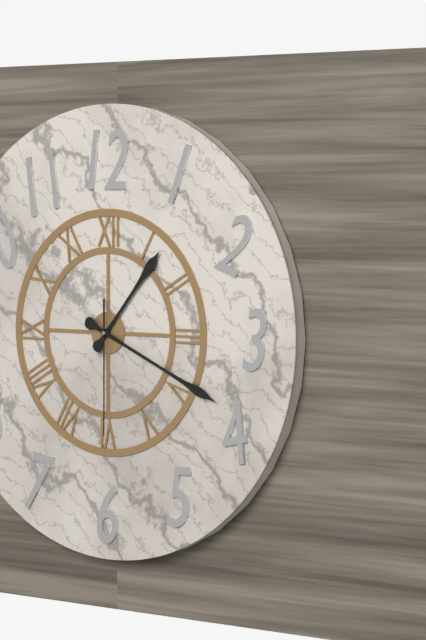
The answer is 1:19:30
